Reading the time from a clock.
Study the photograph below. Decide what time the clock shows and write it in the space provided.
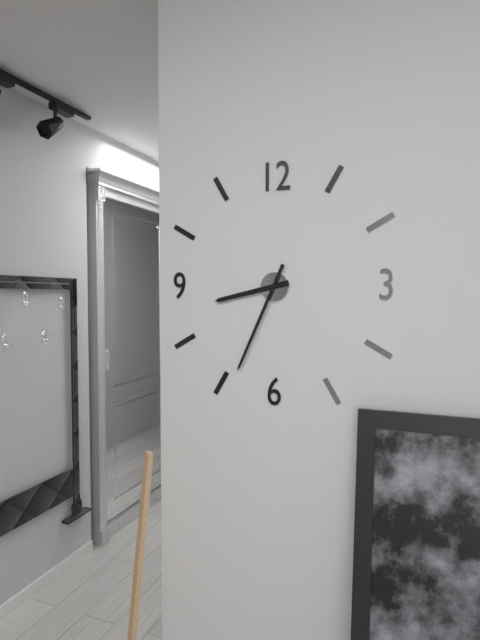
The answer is 8:34
